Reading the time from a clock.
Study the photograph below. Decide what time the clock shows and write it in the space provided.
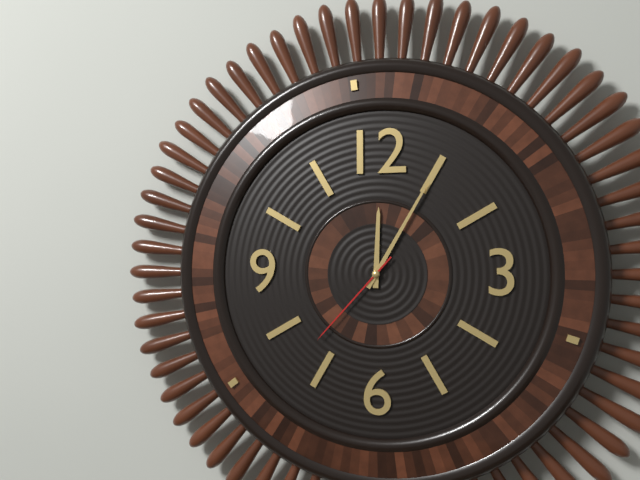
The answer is 12:05:37
